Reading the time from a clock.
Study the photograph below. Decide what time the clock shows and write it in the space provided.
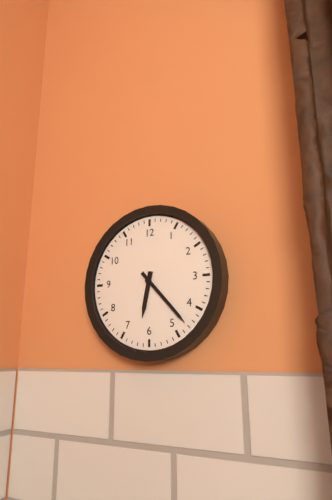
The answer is 6:23
